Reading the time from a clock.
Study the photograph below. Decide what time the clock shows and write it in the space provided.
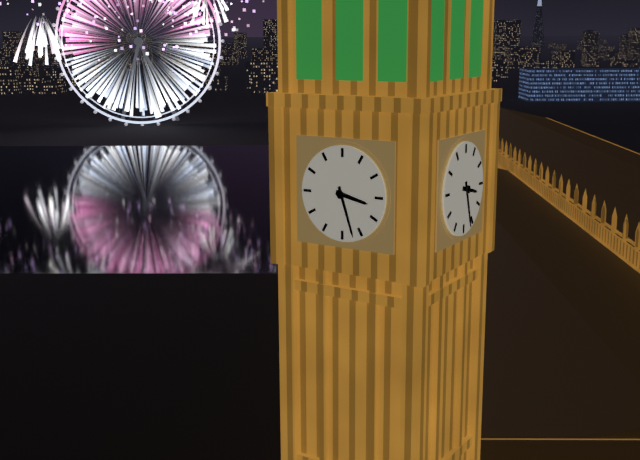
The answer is 3:27
